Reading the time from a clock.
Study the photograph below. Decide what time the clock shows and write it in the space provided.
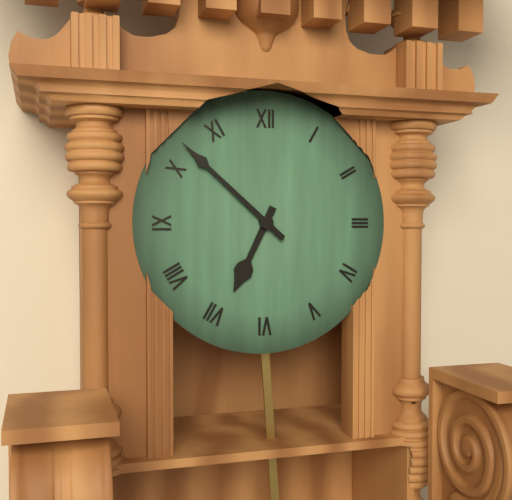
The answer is 6:52
